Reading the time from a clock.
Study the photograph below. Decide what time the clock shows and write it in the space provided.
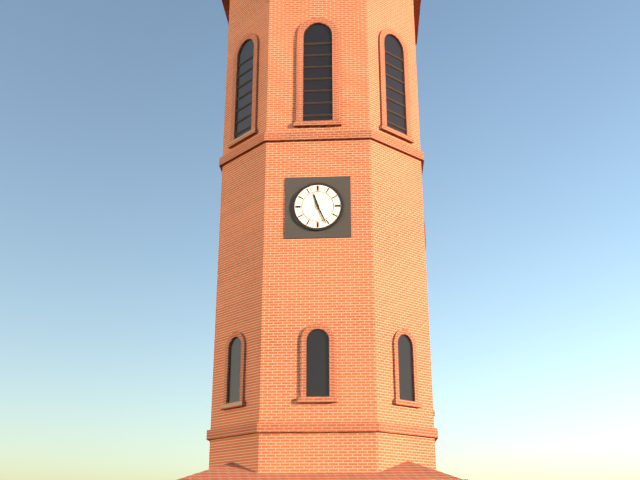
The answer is 11:26
